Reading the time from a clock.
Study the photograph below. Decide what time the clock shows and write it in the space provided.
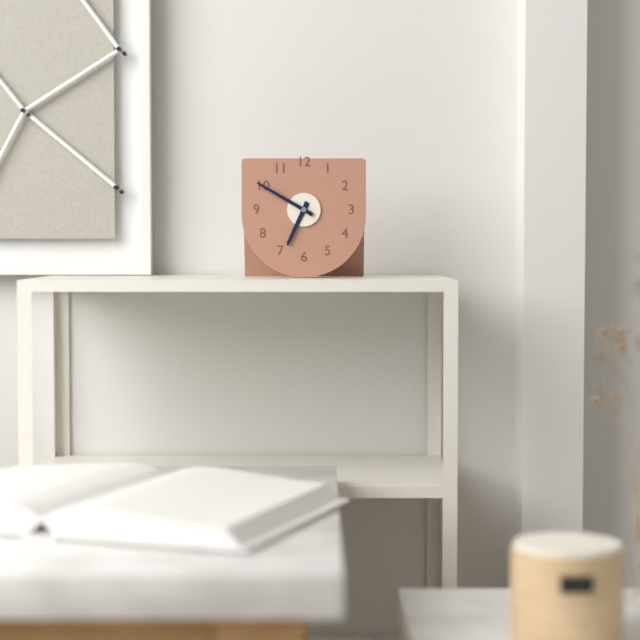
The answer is 6:50
